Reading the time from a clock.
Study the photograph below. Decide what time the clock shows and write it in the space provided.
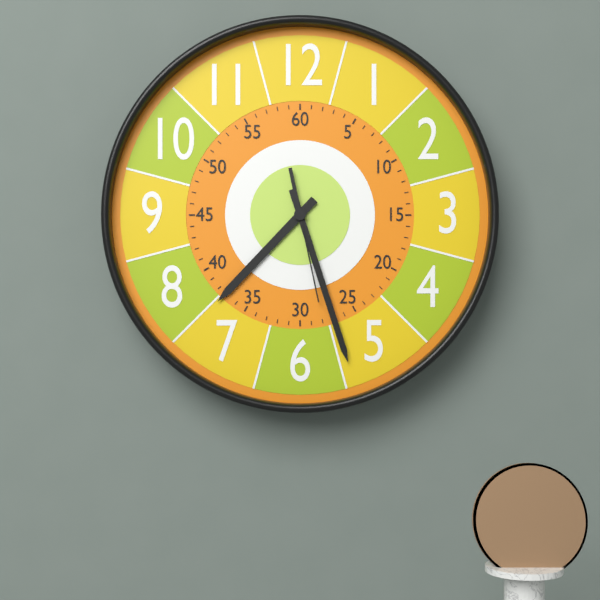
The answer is 7:27:28
